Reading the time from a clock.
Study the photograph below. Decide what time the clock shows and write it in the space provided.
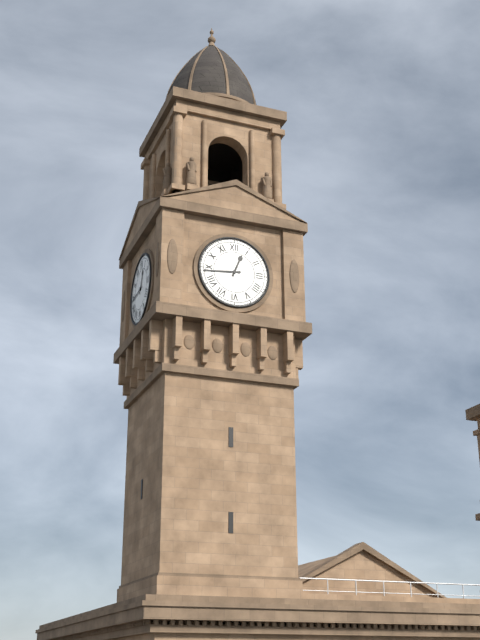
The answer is 12:44
